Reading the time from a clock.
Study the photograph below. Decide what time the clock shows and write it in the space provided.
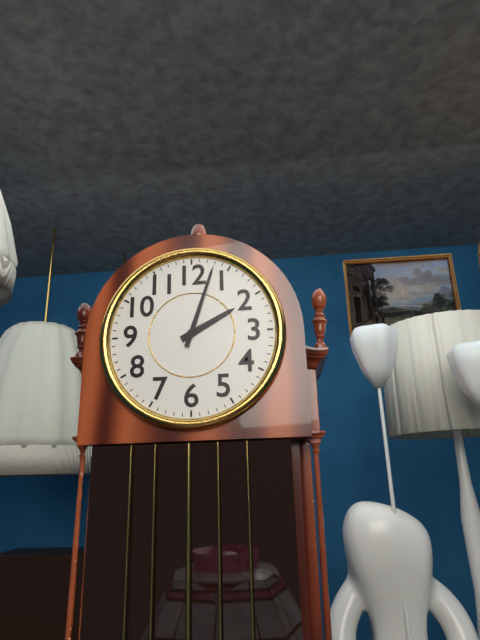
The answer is 2:03
